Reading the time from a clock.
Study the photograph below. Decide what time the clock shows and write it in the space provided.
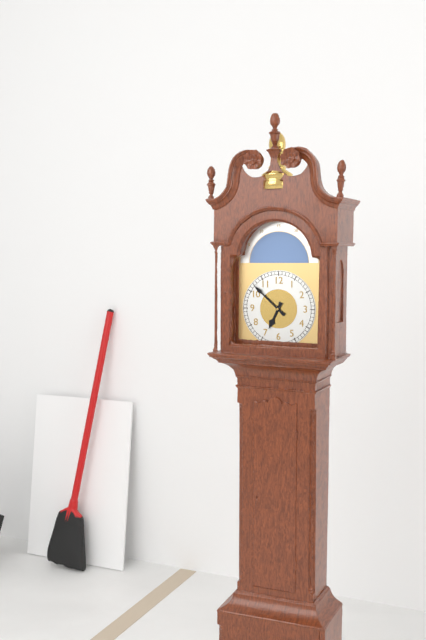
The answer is 6:52
